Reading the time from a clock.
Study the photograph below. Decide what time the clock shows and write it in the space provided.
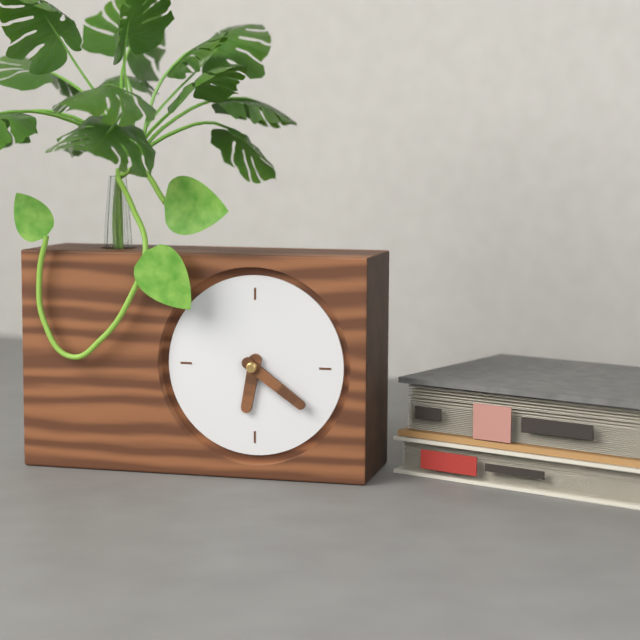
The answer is 6:21
